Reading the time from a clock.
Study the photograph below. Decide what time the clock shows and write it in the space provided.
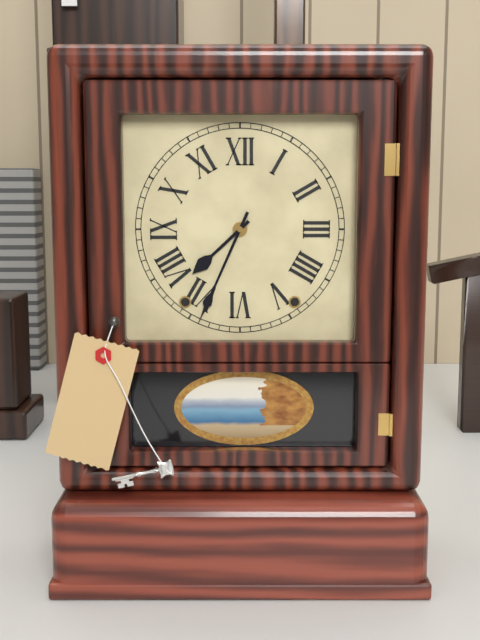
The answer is 7:34
